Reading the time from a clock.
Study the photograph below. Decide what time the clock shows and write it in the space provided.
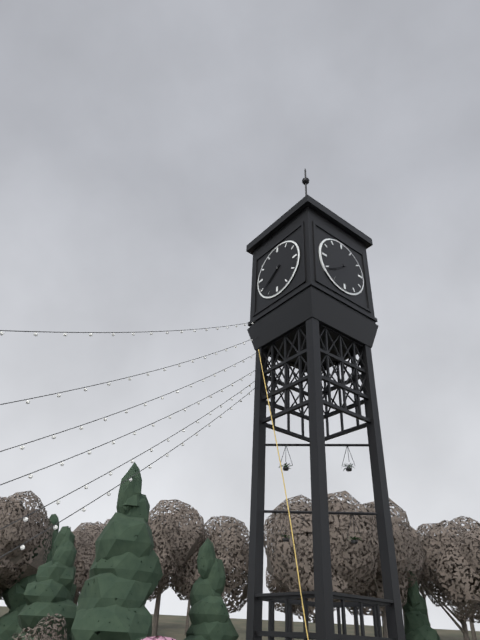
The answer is 7:39
